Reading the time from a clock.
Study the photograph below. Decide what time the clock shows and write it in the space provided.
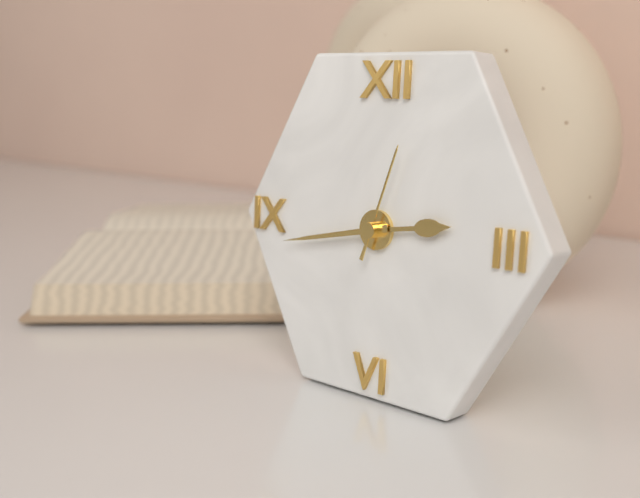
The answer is 2:43:03
